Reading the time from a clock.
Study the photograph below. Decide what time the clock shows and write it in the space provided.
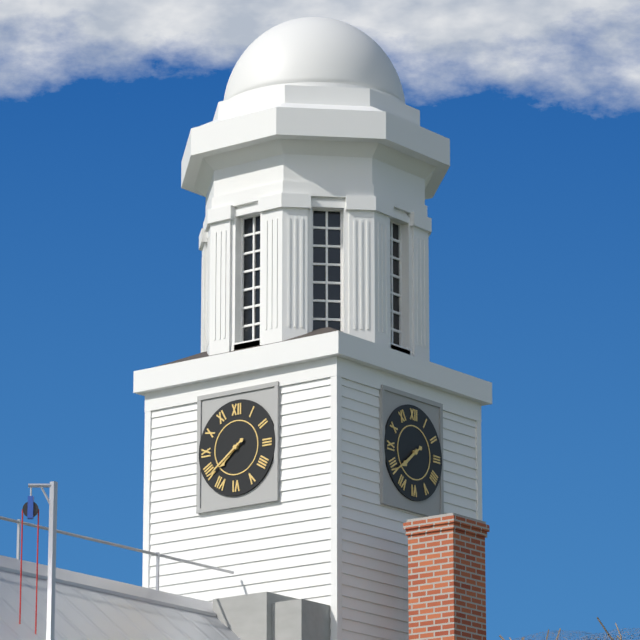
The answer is 7:39
